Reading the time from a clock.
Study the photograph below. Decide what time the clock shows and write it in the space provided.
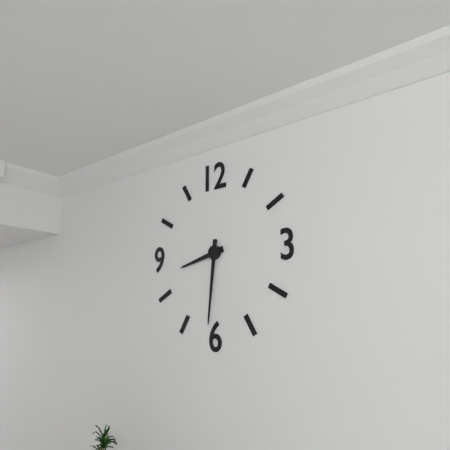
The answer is 8:31
